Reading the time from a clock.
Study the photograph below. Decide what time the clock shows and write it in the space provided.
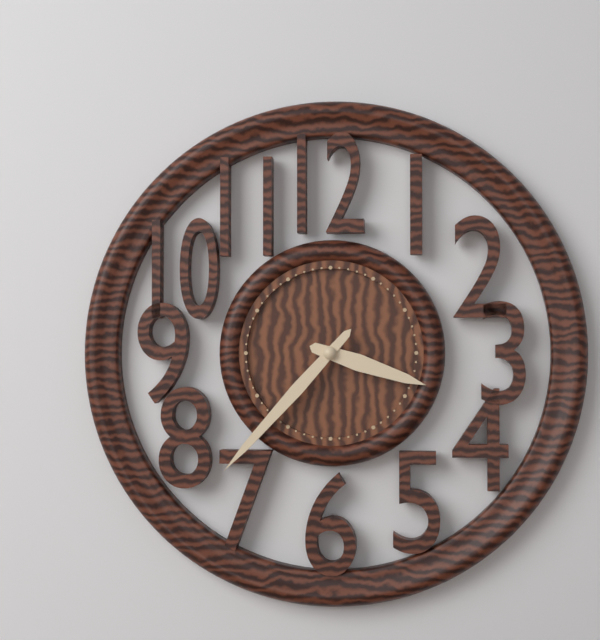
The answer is 3:37
